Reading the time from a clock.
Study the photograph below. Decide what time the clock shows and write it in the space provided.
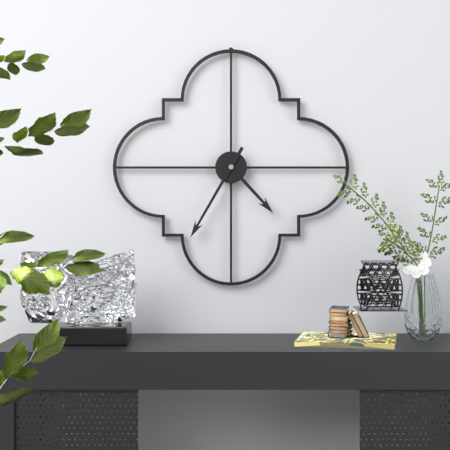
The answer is 4:35
